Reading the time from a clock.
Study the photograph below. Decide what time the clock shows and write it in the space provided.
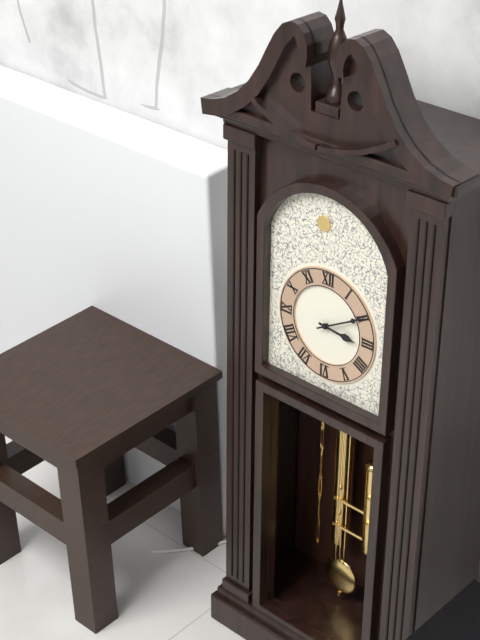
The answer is 3:10
